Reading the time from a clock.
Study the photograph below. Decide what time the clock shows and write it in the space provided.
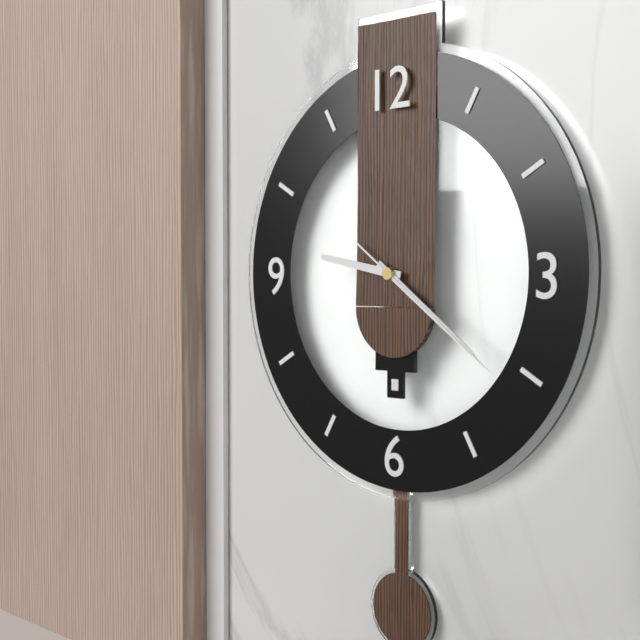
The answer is 9:21:21
